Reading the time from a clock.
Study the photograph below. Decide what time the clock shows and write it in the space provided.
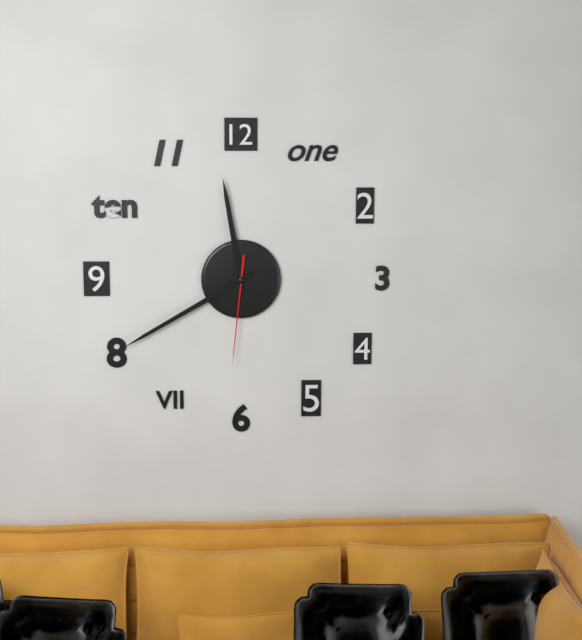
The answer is 11:40:31
